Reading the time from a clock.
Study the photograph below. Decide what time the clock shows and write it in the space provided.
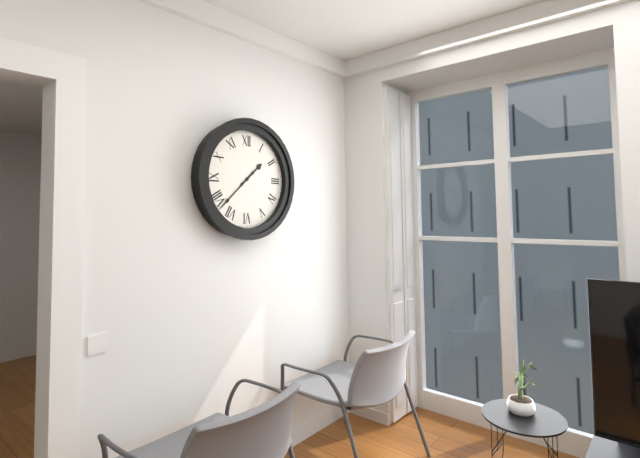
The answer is 1:38
